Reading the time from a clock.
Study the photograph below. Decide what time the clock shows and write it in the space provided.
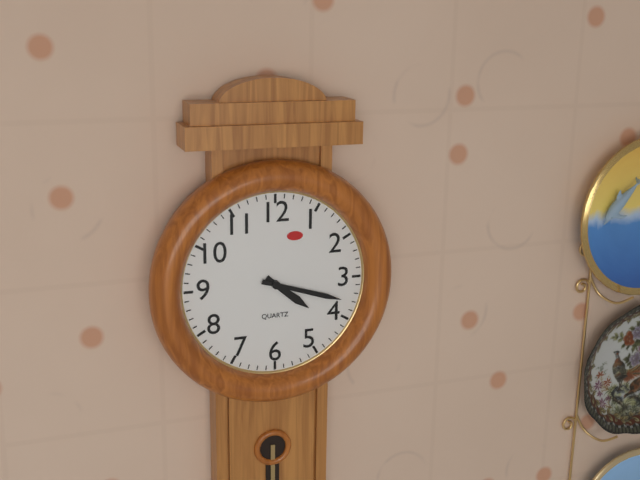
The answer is 4:18
